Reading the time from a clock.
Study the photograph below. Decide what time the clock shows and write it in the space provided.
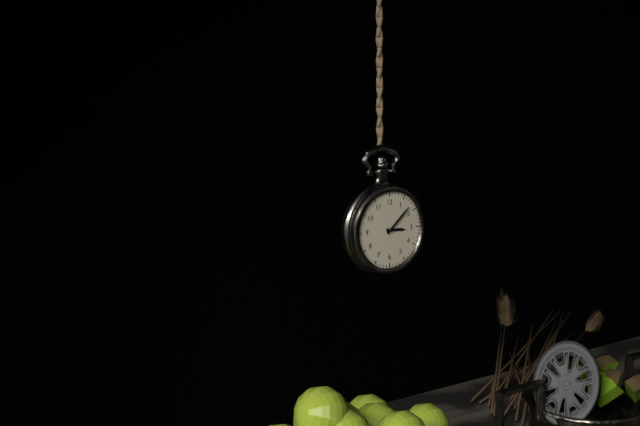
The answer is 3:08
